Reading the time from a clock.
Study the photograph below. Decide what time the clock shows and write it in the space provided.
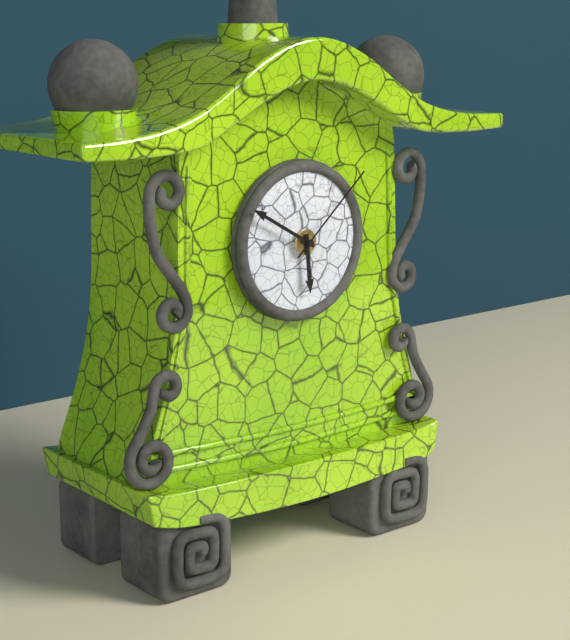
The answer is 5:50:08
